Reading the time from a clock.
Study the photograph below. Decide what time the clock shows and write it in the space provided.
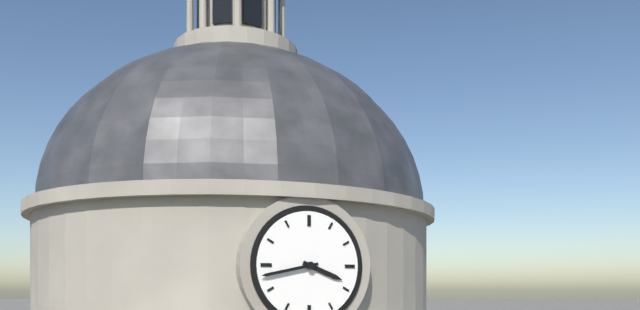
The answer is 3:43
